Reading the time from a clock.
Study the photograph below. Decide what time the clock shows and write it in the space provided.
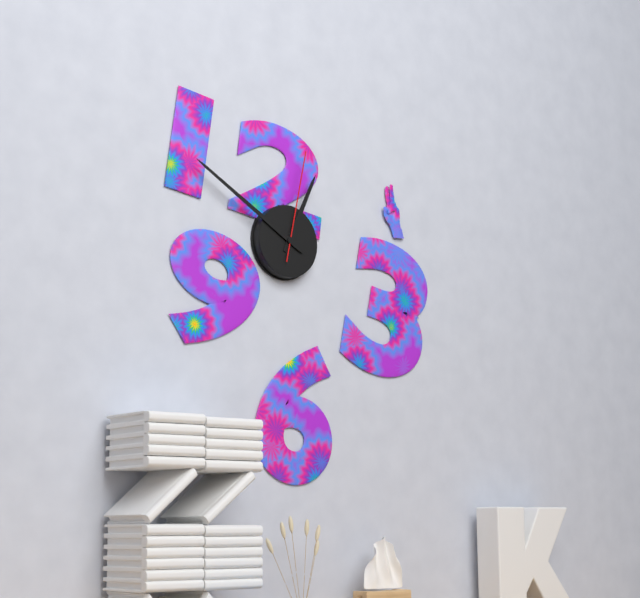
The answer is 12:50:02
